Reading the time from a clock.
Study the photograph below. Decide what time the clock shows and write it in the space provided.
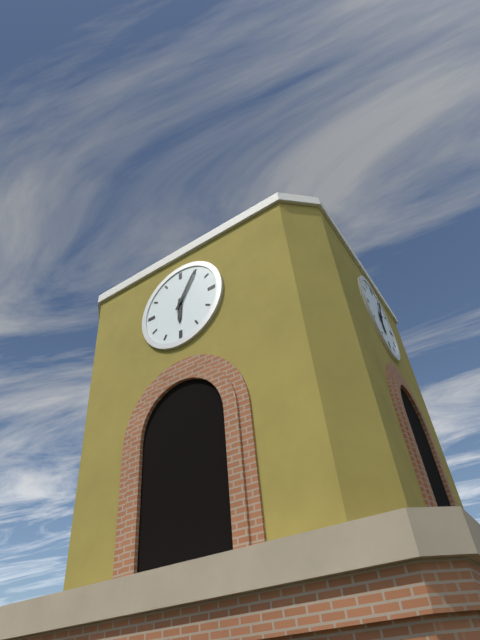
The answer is 6:05
